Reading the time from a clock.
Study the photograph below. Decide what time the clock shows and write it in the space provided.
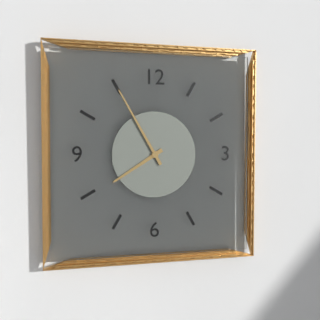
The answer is 7:55
